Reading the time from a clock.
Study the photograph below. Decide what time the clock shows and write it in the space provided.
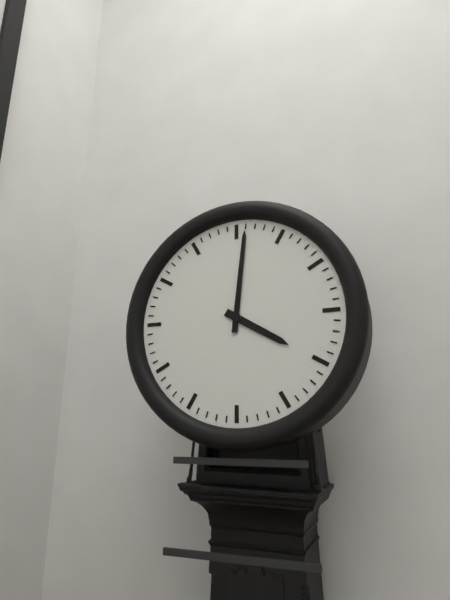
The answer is 4:01
